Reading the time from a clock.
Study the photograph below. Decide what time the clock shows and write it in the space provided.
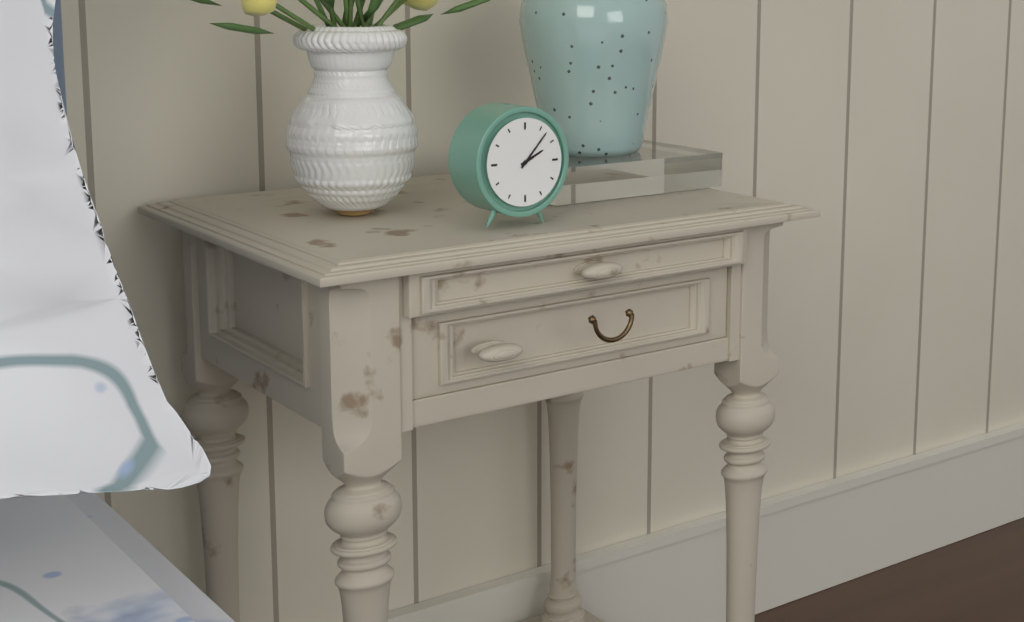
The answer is 2:07
